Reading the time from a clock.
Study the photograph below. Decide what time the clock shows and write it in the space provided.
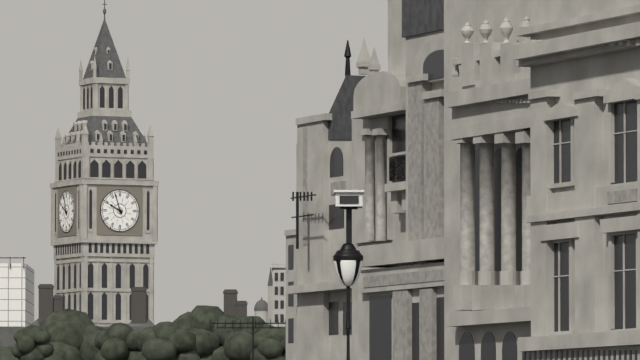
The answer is 9:57
